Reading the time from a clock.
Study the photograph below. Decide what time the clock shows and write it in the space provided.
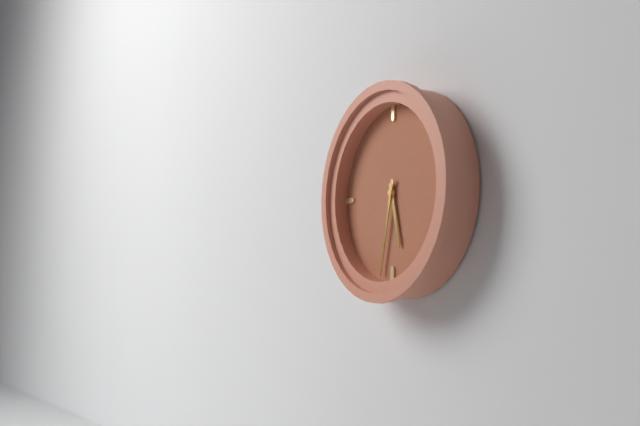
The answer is 5:32
